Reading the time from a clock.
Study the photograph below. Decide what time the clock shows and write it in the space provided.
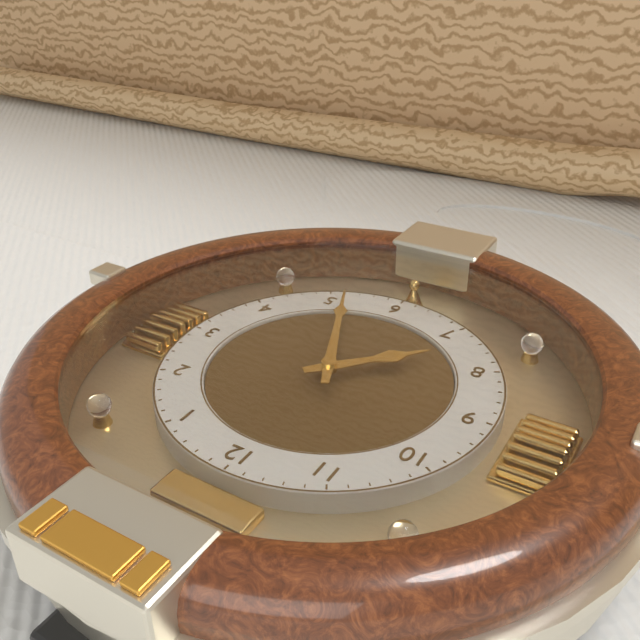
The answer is 7:26
